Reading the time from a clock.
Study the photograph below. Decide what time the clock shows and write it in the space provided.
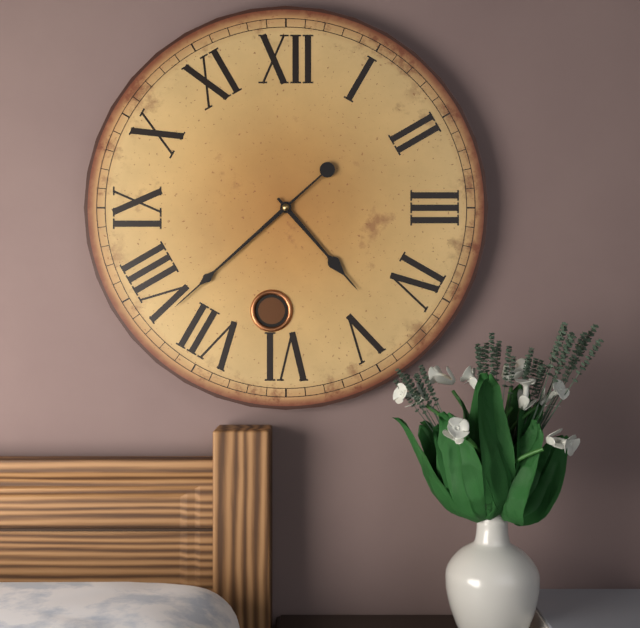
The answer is 4:38
